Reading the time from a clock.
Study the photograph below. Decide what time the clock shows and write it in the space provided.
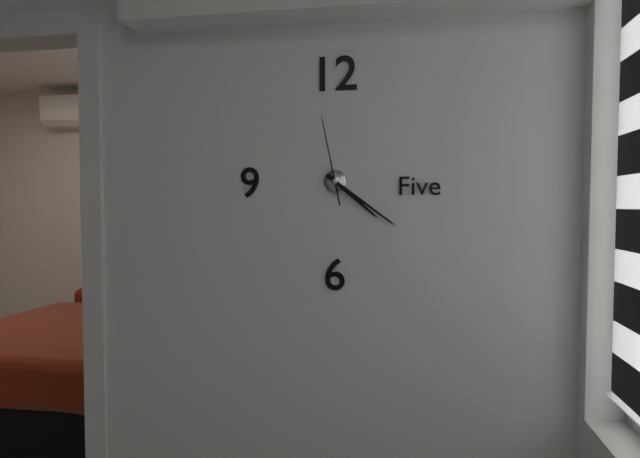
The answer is 4:21:58
